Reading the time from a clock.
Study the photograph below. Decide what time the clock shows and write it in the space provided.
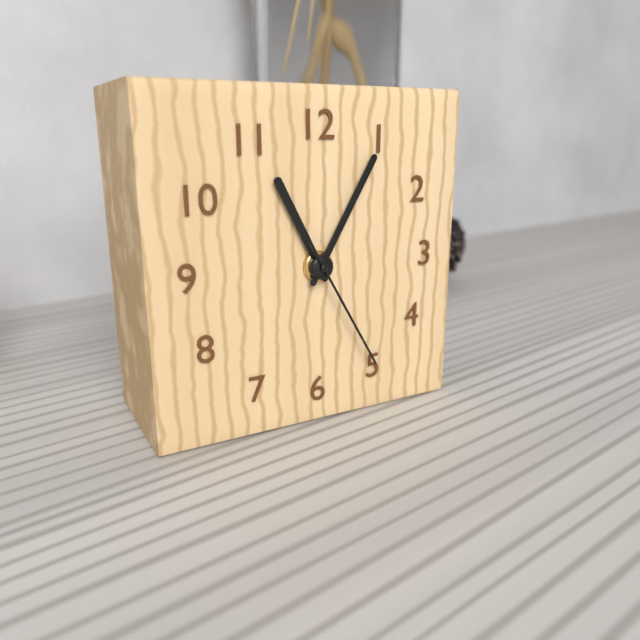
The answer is 11:05:25
